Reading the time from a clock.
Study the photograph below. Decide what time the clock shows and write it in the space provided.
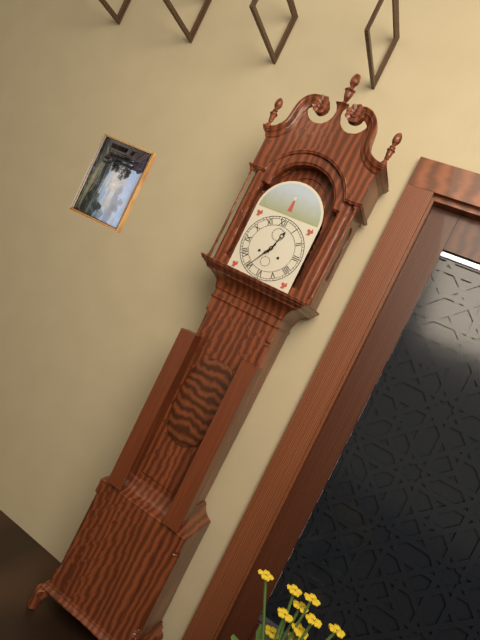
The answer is 12:35
